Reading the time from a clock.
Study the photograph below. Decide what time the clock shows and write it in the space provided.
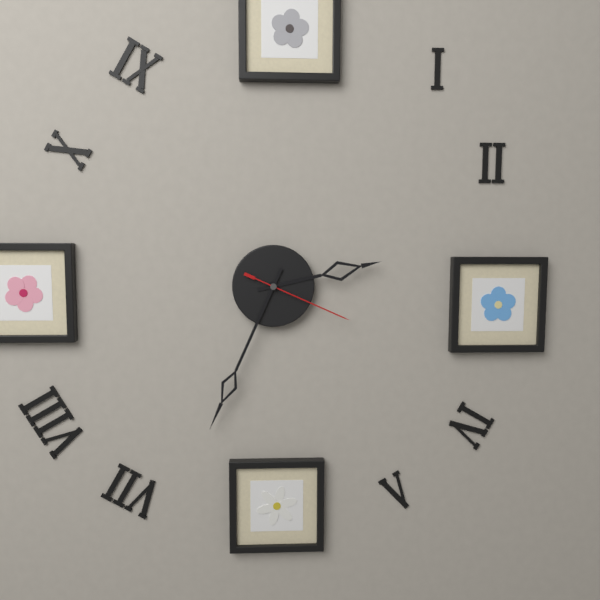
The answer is 2:34:19
